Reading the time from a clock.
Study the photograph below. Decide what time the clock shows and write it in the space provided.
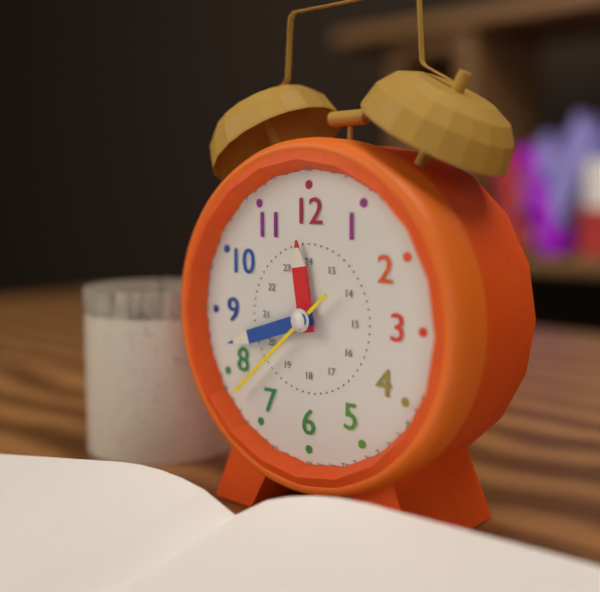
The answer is 11:42:38
